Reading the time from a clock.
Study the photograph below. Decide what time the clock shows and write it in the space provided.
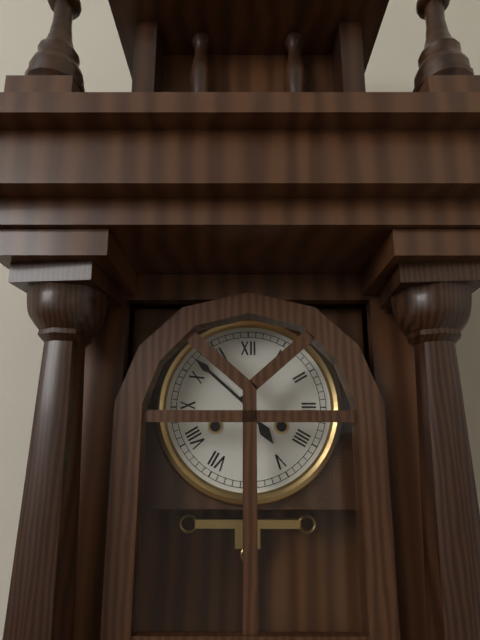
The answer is 4:52
